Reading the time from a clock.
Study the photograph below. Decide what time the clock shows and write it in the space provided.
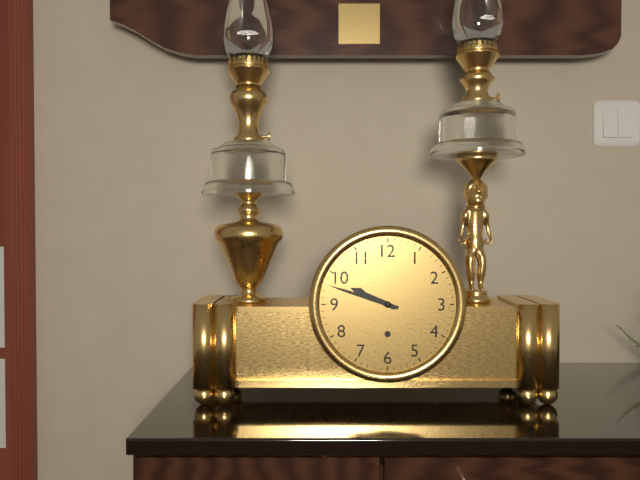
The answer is 9:48
